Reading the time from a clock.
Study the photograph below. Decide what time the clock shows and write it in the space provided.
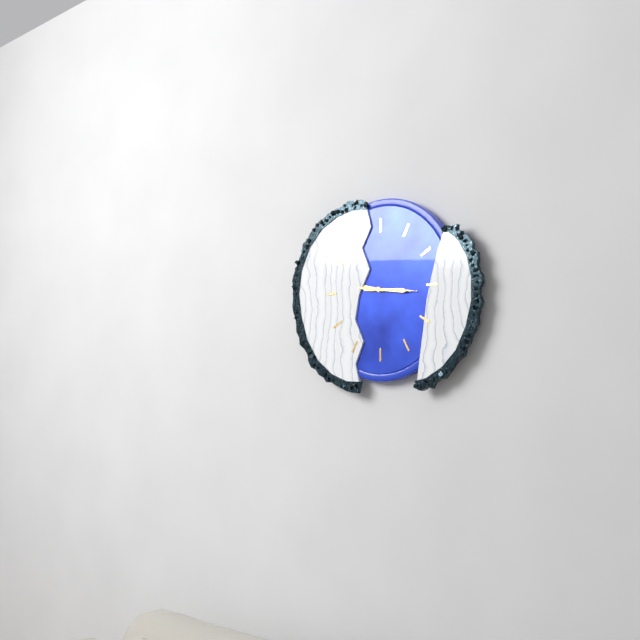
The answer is 9:16
